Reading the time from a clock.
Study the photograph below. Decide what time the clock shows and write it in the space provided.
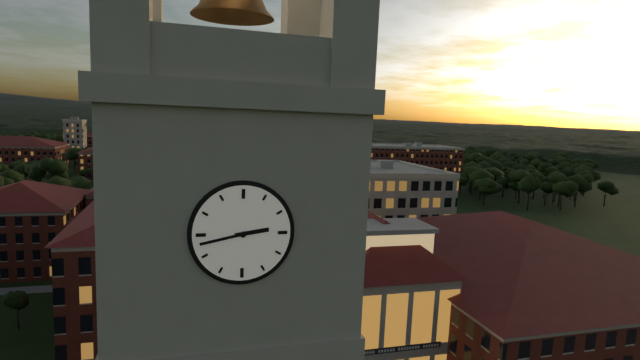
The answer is 2:43
